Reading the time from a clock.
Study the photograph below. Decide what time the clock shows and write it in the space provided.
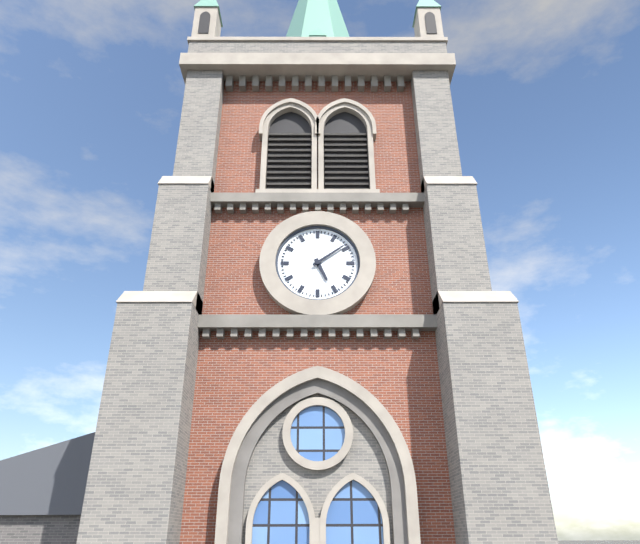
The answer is 5:09
